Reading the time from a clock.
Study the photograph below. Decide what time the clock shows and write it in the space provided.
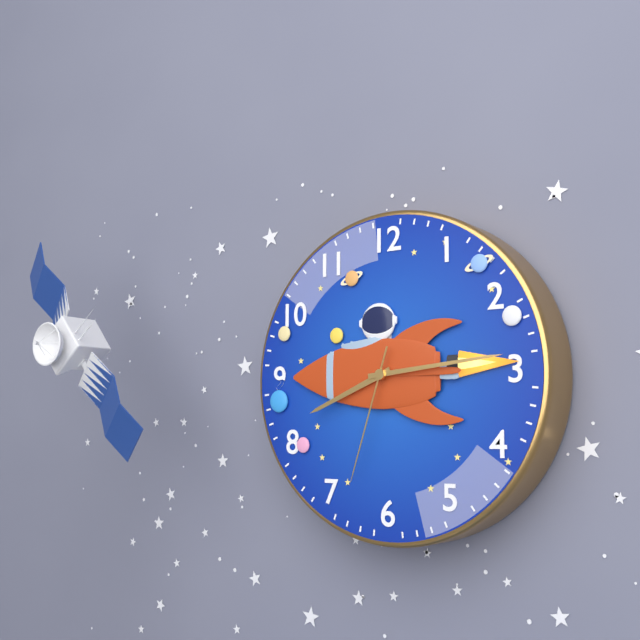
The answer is 8:14:33
